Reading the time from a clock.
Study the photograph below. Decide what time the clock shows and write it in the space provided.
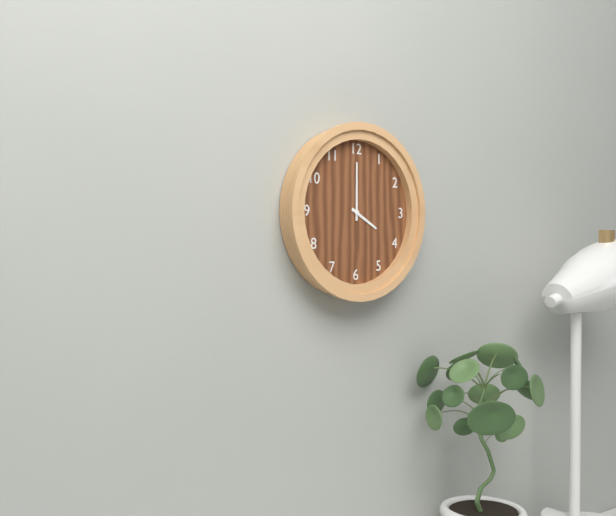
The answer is 4:00
